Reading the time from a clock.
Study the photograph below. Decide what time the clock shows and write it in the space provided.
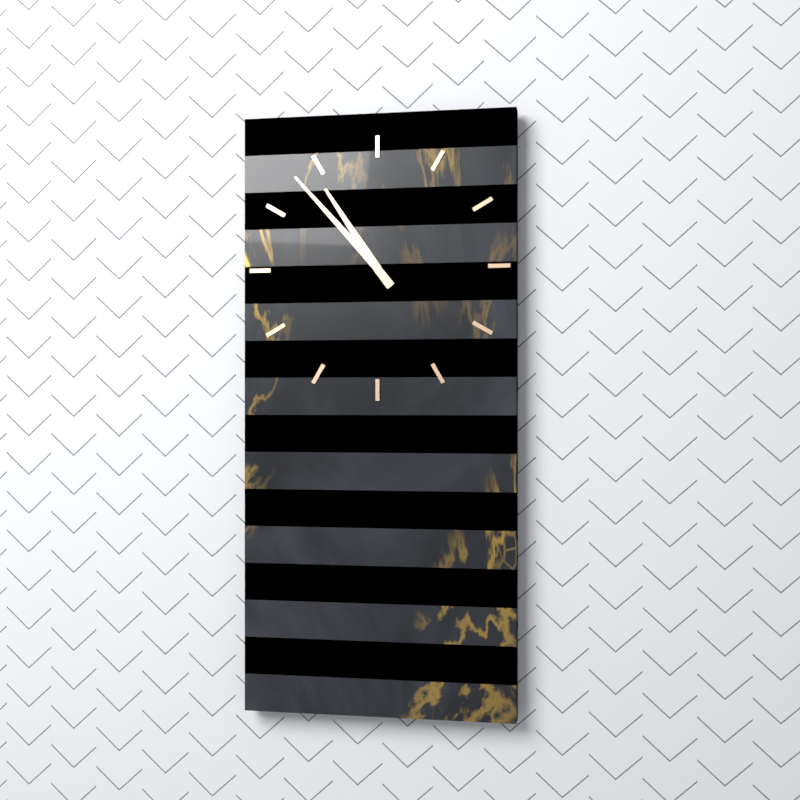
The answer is 10:53
